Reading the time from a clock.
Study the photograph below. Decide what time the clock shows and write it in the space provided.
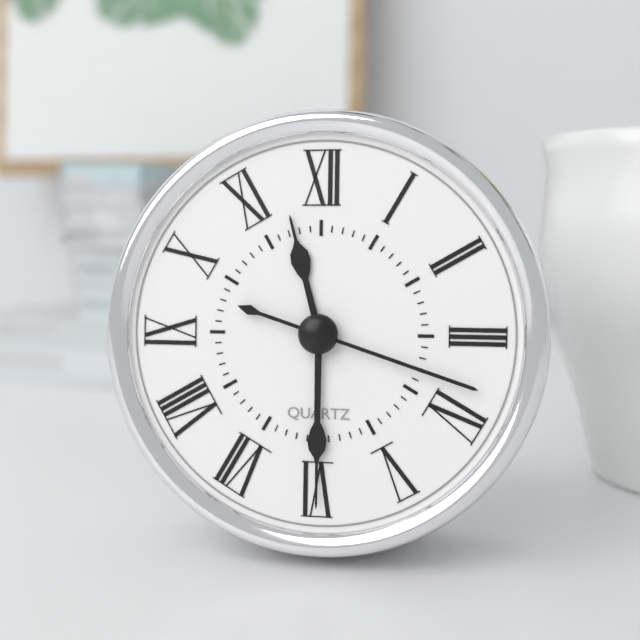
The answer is 11:30:18
